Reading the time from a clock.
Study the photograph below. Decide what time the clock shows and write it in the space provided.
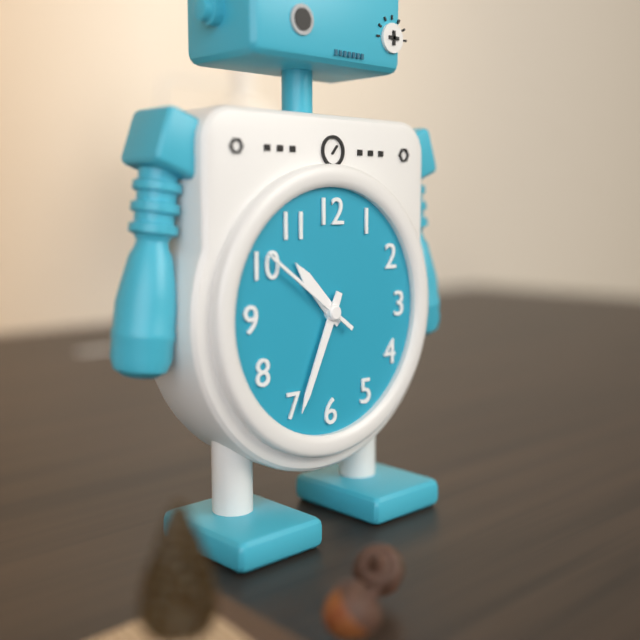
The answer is 10:34:51
